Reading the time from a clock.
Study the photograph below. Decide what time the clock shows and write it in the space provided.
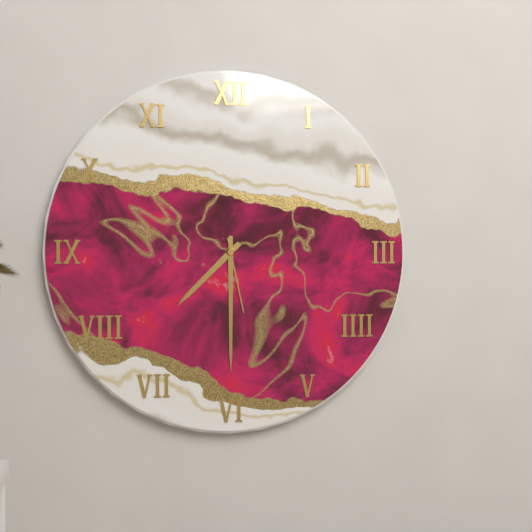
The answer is 7:30:28
